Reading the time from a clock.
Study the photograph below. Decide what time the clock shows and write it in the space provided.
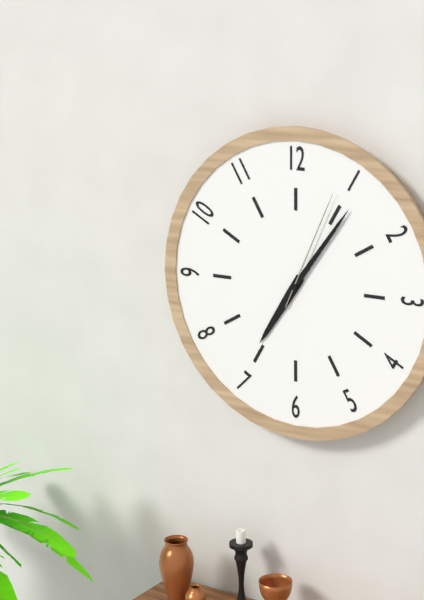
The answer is 7:06:04
